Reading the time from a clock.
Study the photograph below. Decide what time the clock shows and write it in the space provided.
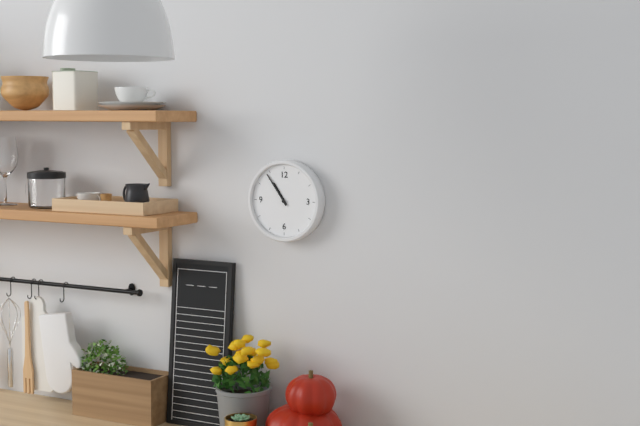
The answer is 10:54
